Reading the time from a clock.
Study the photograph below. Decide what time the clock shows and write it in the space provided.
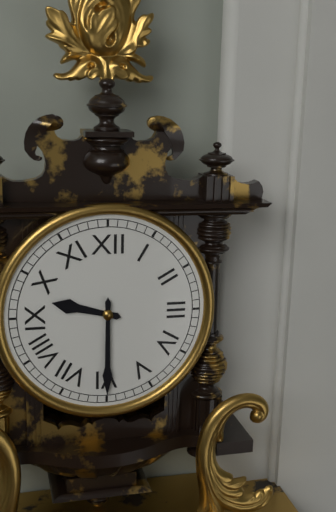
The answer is 9:30
